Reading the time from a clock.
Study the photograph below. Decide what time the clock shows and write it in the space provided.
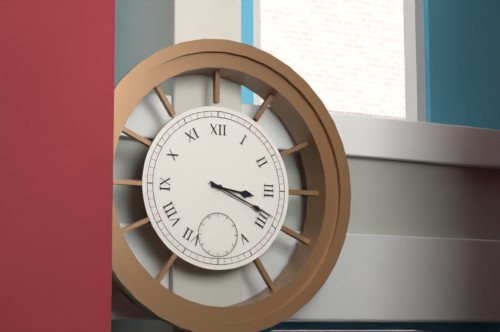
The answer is 3:19
